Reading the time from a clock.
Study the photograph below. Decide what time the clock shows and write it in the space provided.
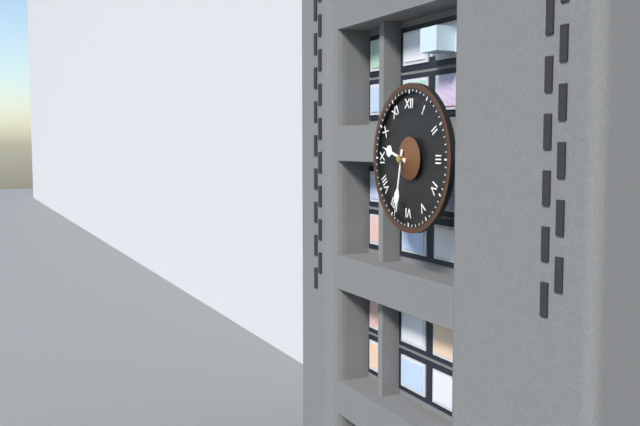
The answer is 9:32
